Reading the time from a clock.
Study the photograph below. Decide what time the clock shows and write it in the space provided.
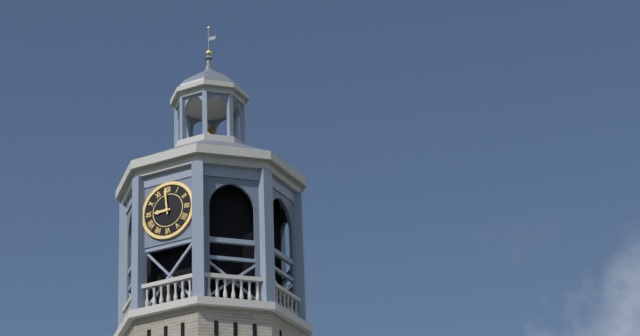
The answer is 8:59
